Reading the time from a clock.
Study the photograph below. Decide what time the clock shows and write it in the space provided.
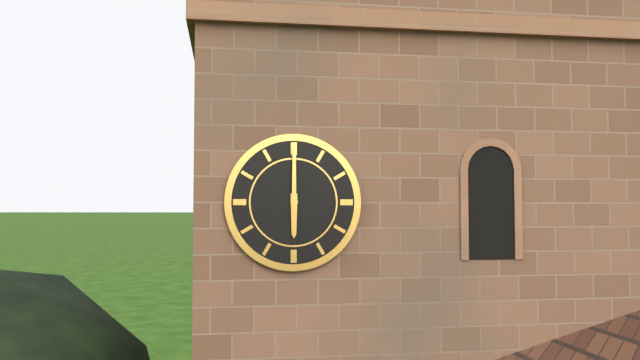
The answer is 6:00
